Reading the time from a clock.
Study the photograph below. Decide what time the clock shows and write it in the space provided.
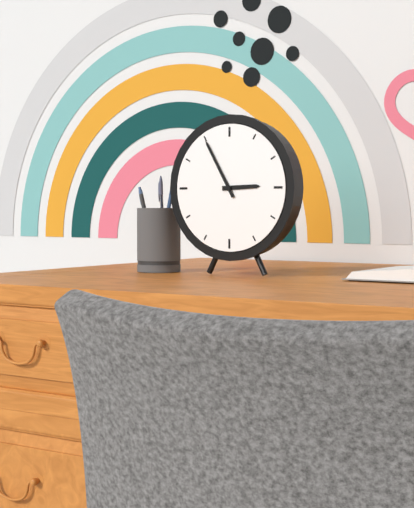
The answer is 2:55
